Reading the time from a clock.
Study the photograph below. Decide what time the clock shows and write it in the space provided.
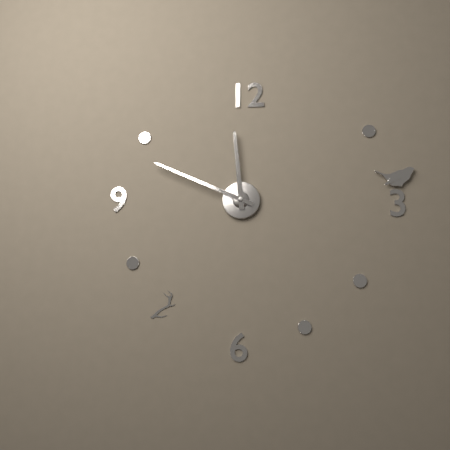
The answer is 11:49
